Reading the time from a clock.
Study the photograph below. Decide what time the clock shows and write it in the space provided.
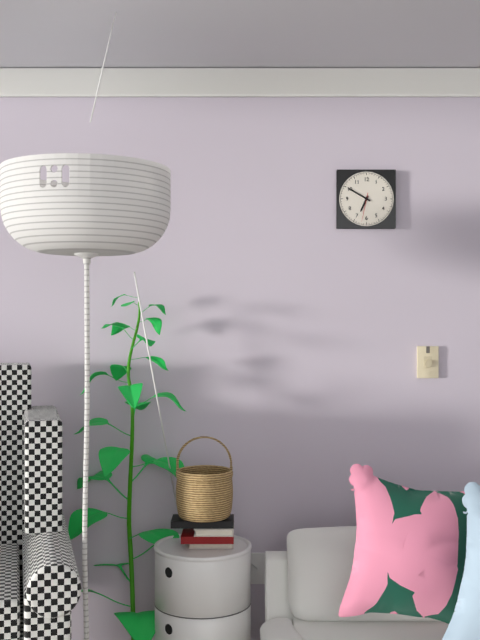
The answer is 6:50
